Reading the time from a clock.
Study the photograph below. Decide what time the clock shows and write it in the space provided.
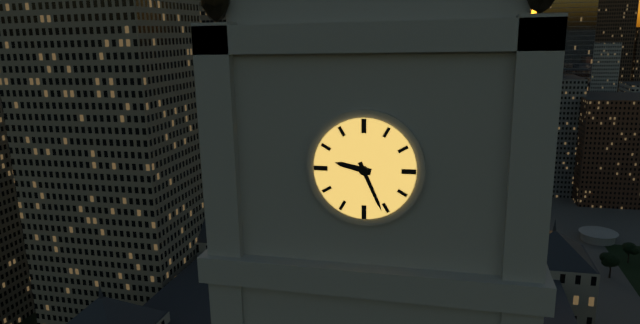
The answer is 9:26
